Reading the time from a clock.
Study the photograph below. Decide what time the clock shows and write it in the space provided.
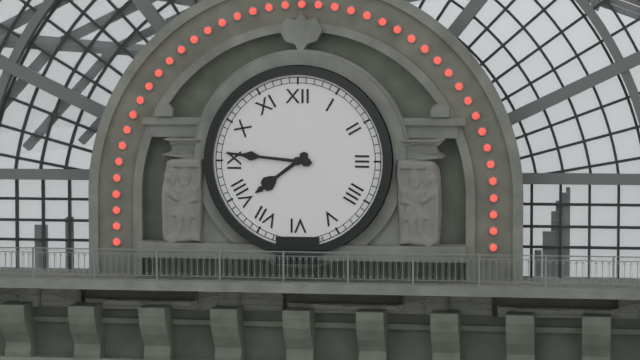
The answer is 7:46
